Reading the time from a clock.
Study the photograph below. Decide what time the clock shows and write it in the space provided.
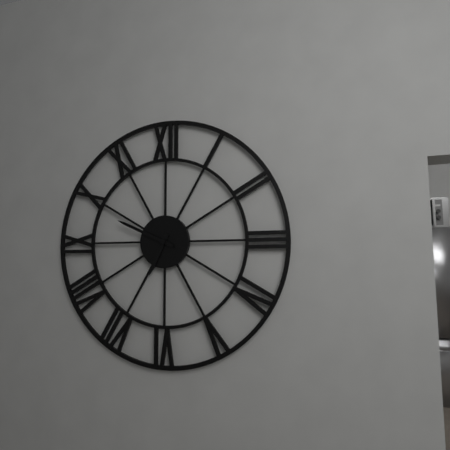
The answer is 6:49
